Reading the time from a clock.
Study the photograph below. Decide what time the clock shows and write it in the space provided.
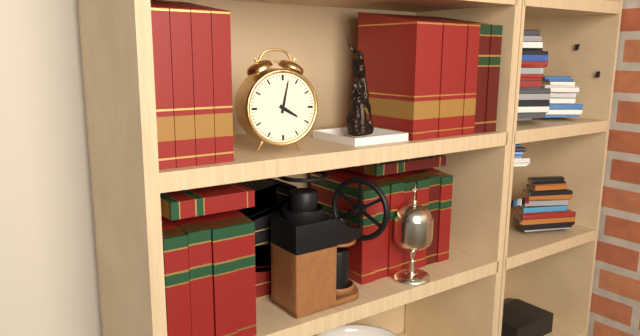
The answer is 4:02
